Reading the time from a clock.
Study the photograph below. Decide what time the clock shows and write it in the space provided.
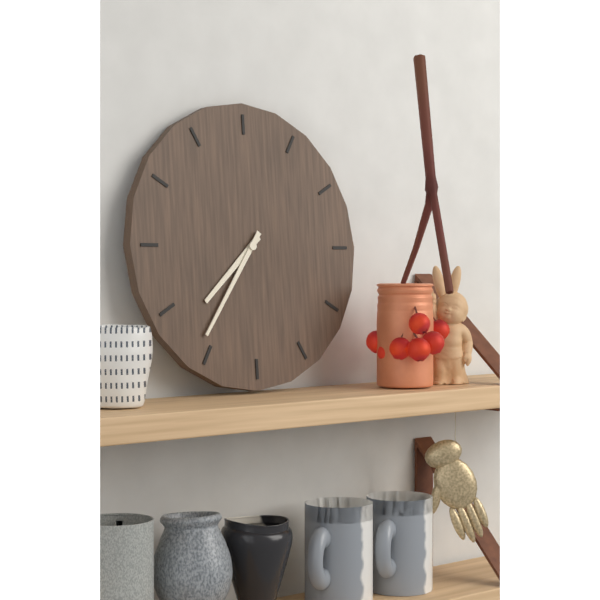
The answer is 7:36
